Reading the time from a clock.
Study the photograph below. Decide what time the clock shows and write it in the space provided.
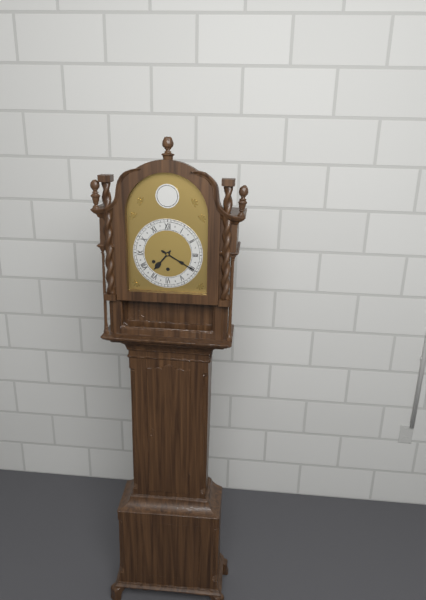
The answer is 7:20
